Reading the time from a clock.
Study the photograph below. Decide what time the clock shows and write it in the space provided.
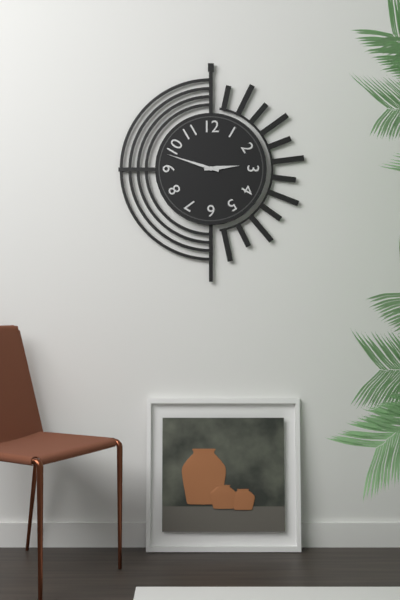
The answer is 2:48
